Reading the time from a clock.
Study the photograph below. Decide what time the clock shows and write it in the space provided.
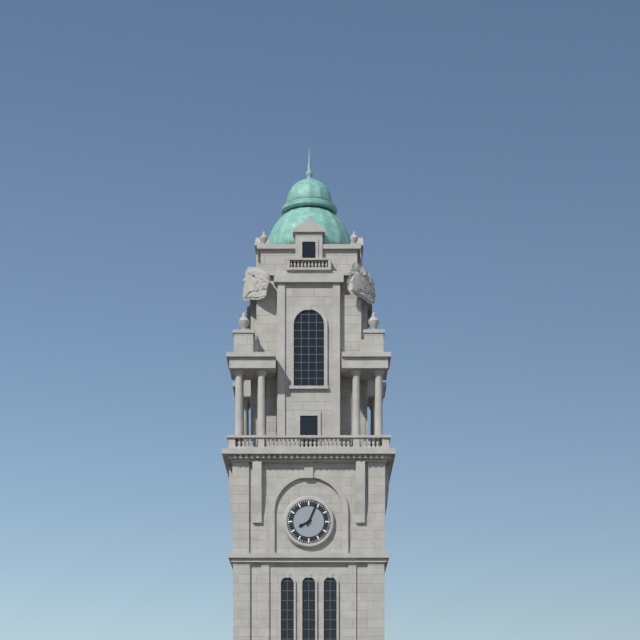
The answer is 8:04
